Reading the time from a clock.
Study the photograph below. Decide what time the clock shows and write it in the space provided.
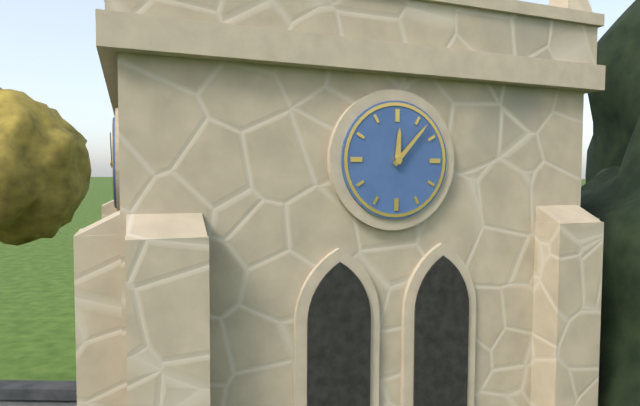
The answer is 12:07
